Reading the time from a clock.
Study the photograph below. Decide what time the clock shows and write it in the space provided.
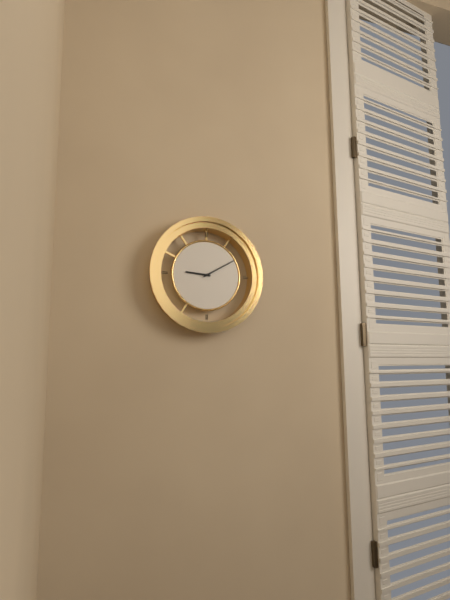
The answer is 9:10
